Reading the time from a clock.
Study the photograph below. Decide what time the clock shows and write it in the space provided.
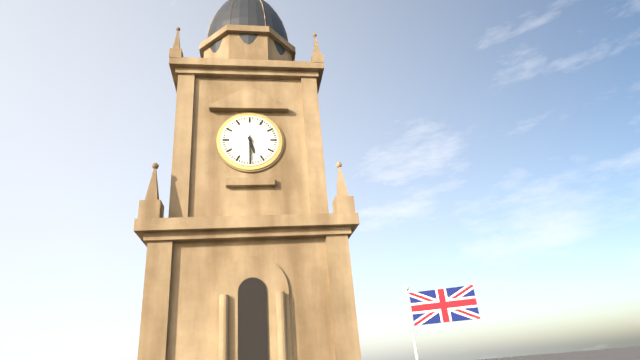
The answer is 5:30
